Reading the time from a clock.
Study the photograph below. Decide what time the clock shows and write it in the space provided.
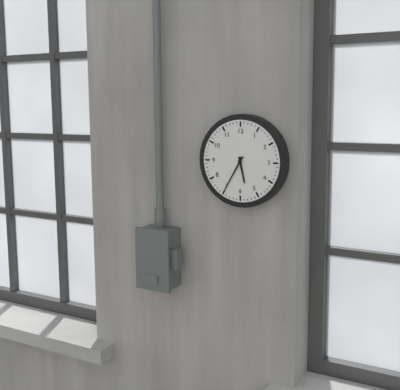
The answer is 5:35
